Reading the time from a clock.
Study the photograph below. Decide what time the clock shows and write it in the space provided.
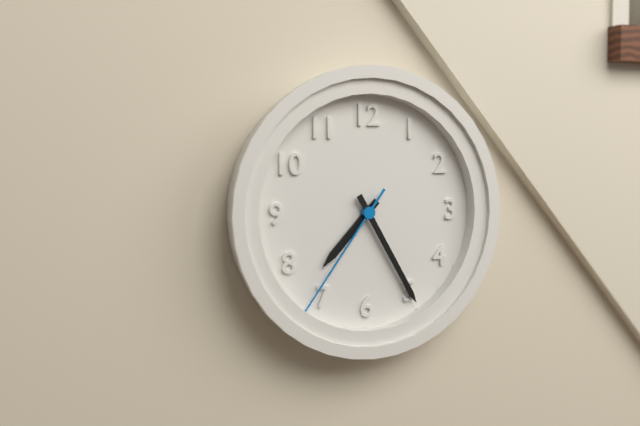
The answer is 7:25:36
